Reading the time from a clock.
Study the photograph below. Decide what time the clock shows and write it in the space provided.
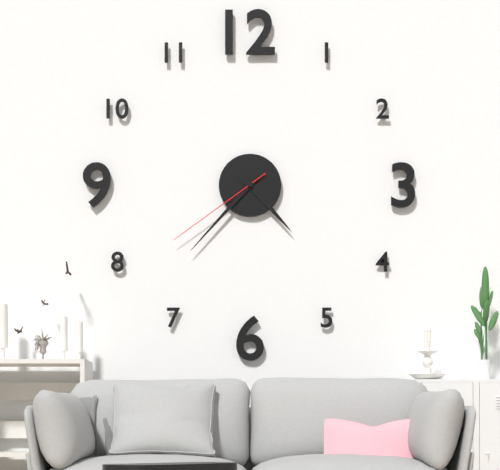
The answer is 4:37:39
